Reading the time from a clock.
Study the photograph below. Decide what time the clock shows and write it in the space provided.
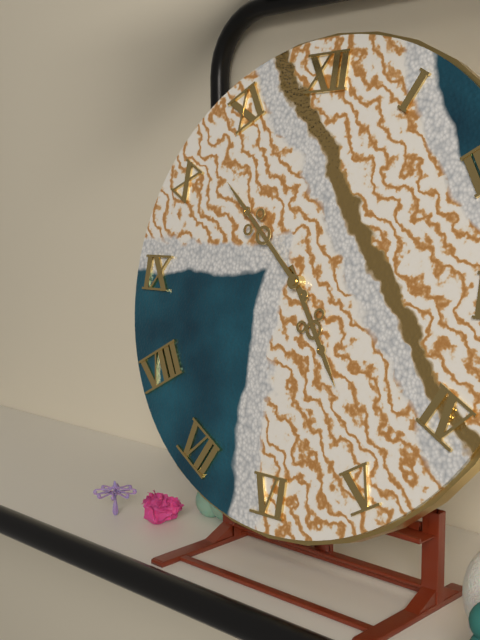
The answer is 4:52
